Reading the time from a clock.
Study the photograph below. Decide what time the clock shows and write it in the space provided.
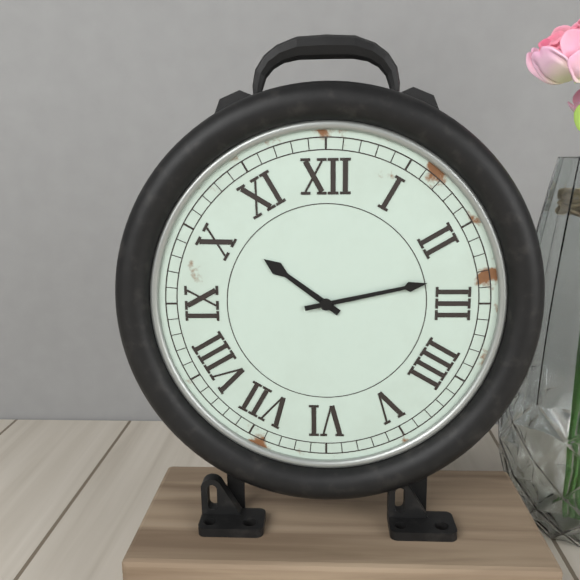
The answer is 10:13
